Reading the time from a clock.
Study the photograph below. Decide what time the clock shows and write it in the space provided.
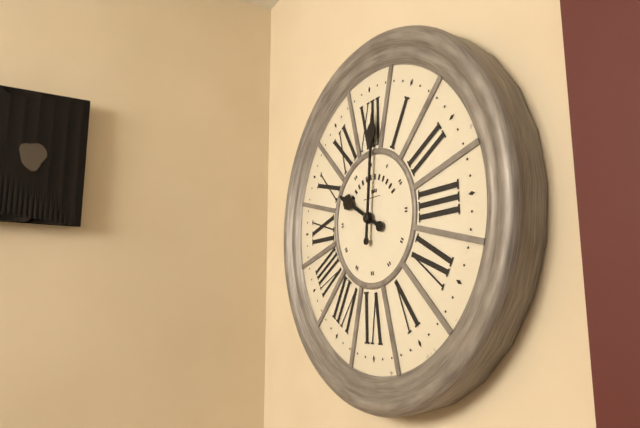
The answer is 10:01
